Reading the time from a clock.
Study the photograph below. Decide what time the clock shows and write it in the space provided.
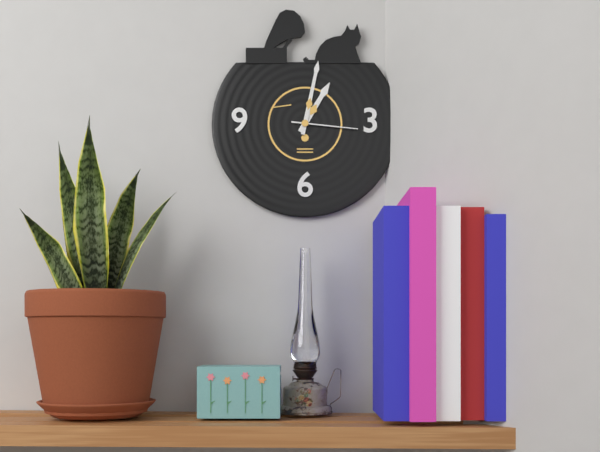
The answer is 1:02:16
